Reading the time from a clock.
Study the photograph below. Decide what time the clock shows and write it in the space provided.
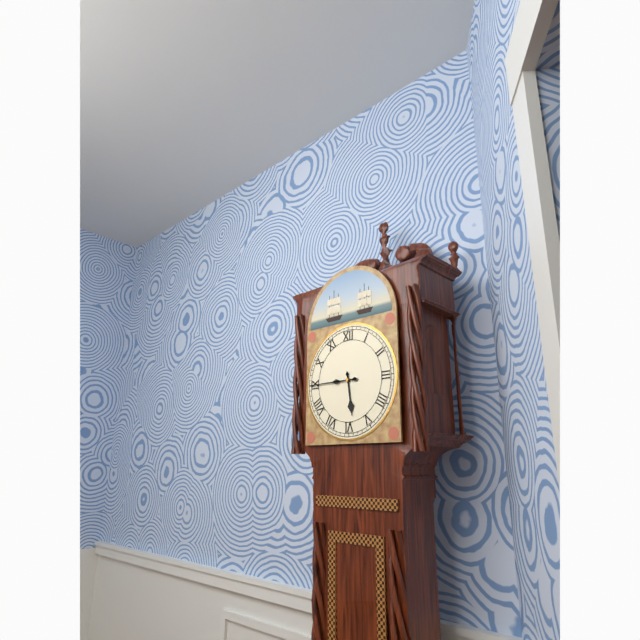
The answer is 5:45
